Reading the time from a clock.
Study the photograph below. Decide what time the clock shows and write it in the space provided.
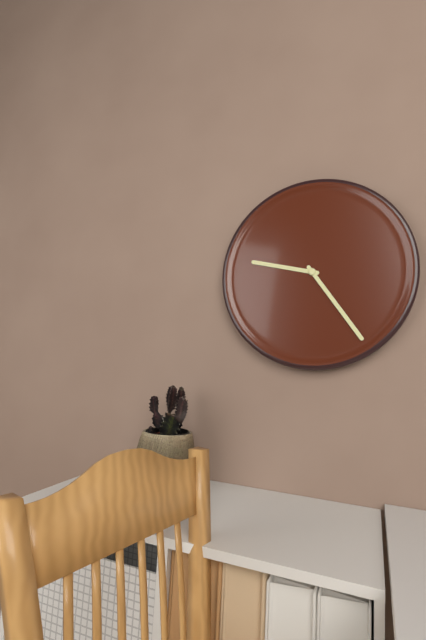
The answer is 9:24
